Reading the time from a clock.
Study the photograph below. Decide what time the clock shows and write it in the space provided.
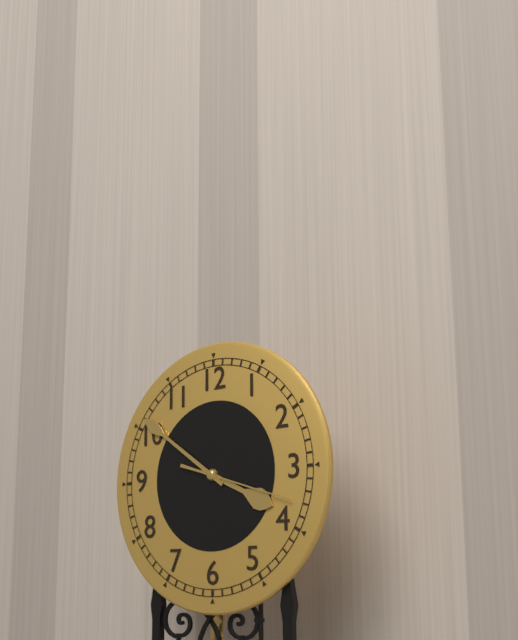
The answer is 3:51:18
